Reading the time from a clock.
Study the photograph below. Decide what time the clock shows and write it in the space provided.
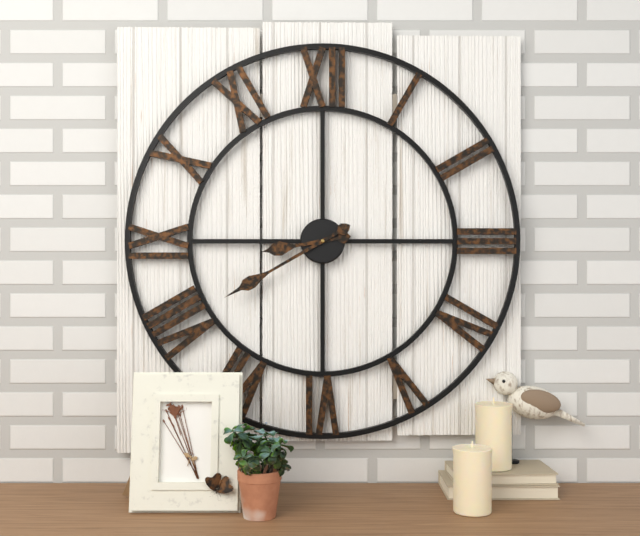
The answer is 8:40
